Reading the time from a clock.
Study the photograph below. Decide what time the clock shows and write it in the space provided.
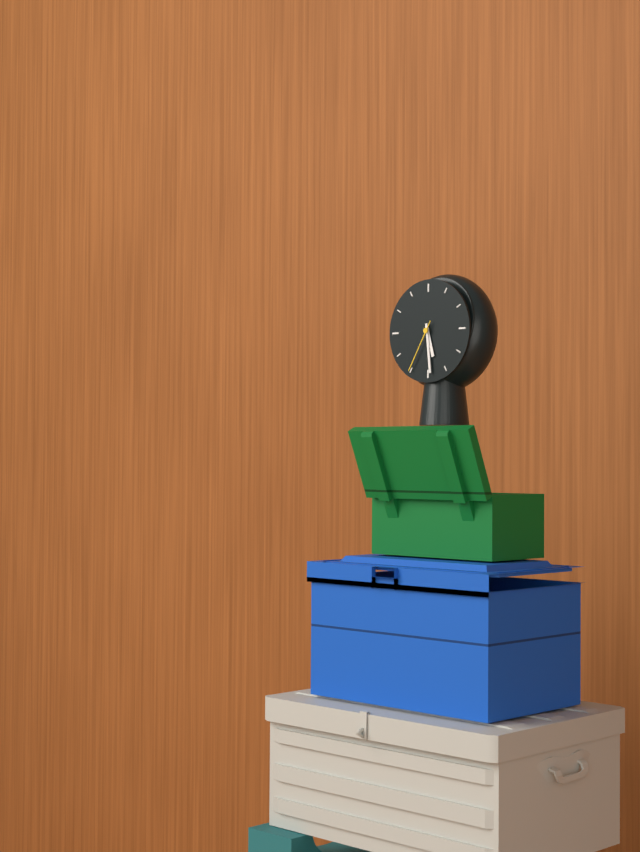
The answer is 5:29:35
